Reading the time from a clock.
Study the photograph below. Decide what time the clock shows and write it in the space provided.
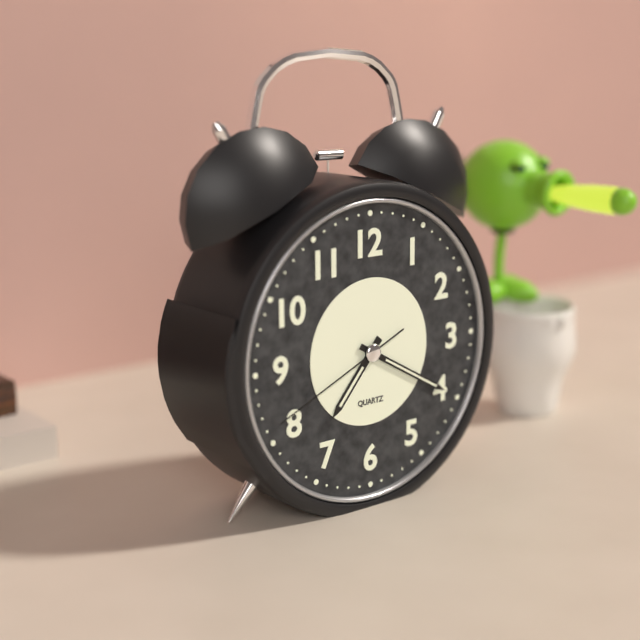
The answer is 7:20:41
